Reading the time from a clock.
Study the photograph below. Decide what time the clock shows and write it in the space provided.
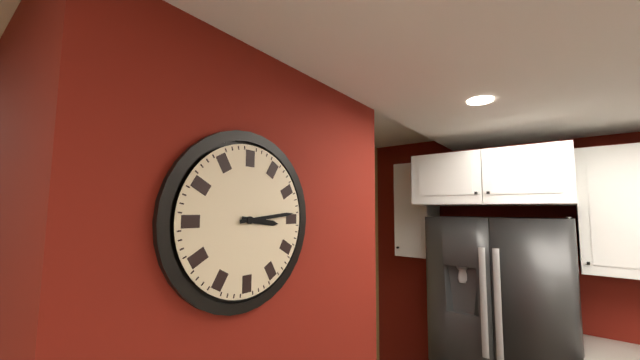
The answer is 3:14
